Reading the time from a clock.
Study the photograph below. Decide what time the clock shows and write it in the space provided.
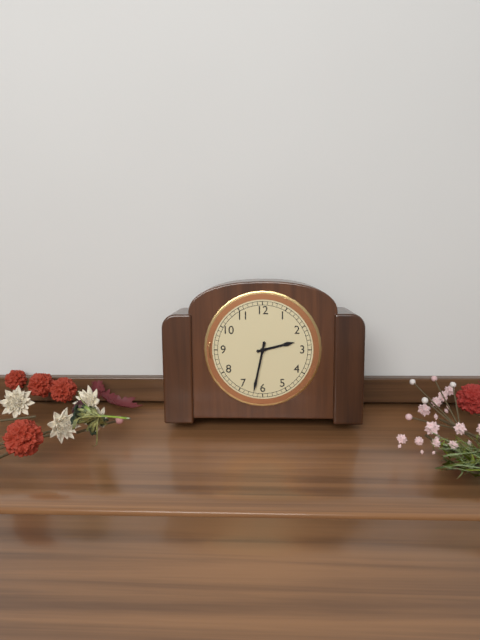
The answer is 2:32
